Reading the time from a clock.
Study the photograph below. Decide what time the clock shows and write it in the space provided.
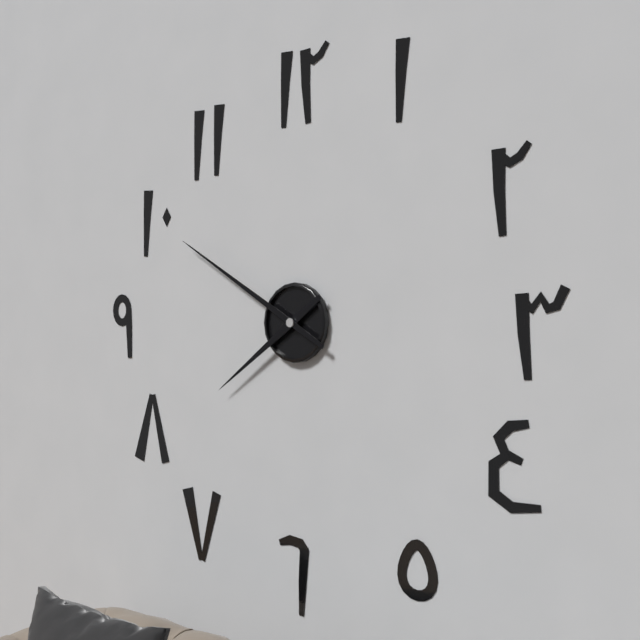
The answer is 7:50
